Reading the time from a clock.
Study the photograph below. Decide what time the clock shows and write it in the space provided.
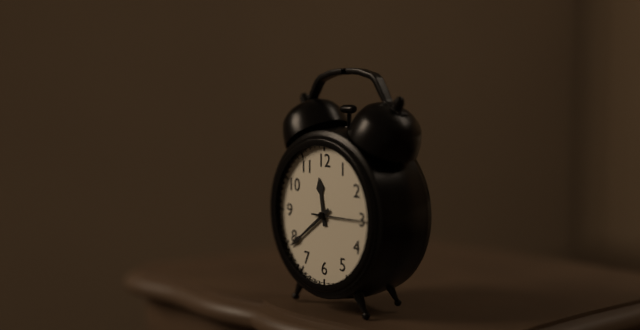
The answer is 11:39:15
